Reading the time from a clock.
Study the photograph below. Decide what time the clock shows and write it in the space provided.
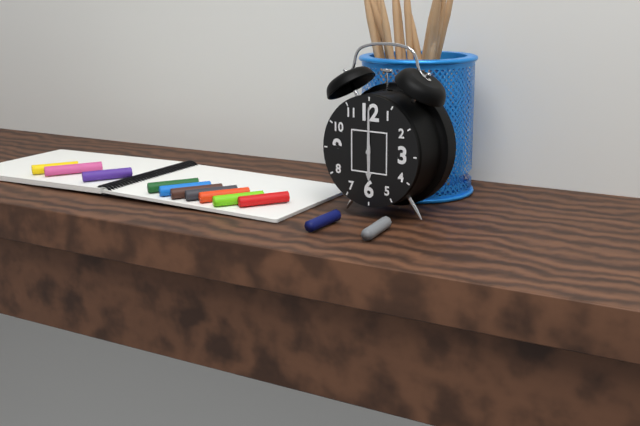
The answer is 6:00
